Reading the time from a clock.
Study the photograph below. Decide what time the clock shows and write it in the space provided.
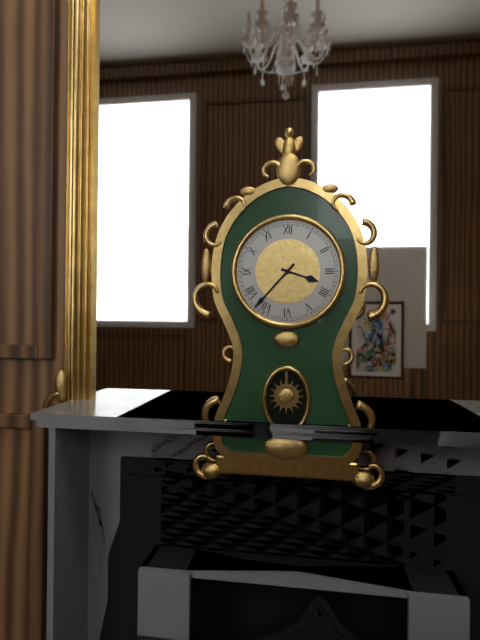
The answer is 3:37
